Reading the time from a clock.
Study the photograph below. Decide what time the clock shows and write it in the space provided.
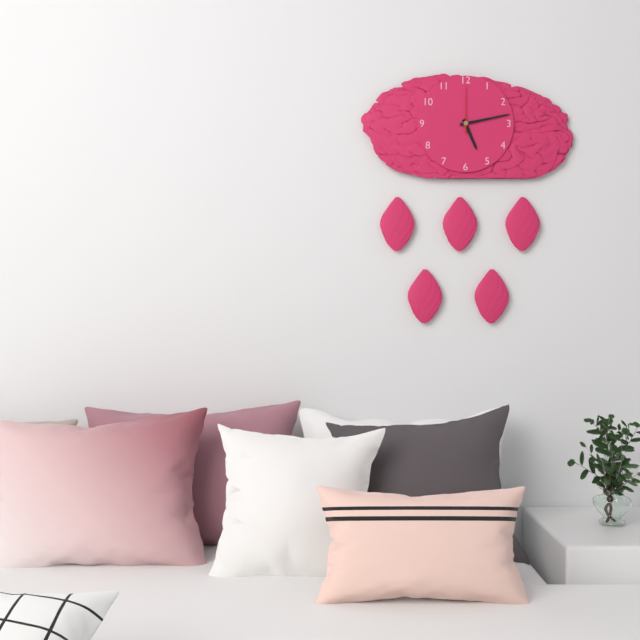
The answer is 5:13
